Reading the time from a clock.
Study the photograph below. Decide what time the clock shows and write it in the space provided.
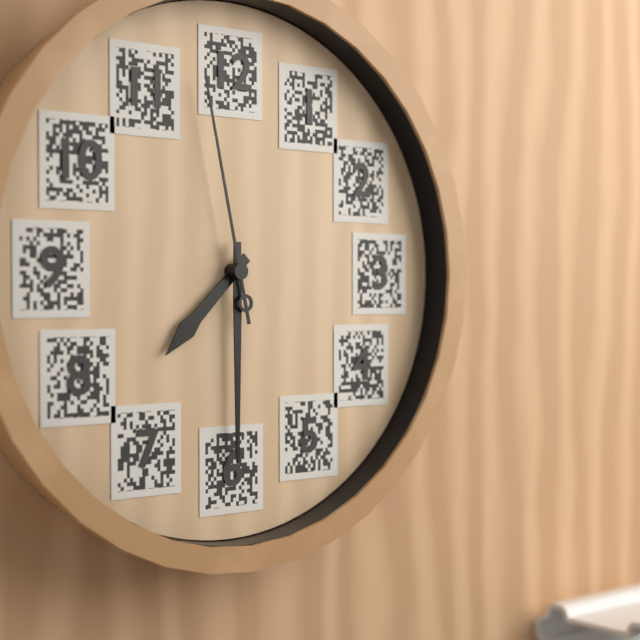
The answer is 7:30:58
